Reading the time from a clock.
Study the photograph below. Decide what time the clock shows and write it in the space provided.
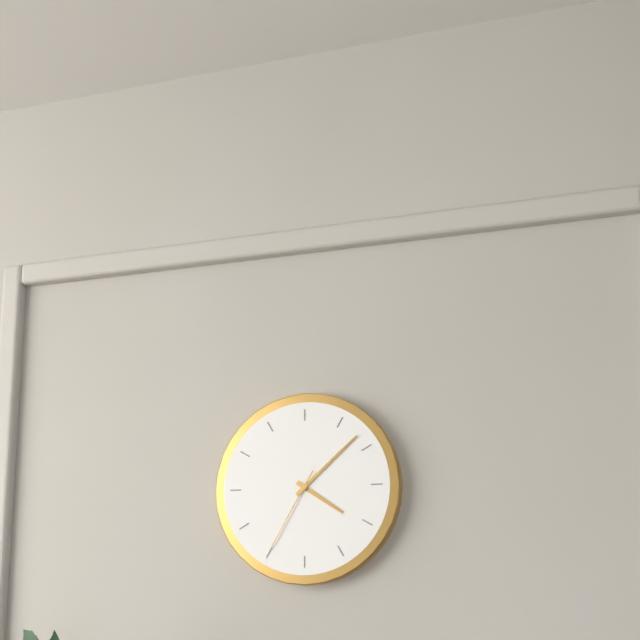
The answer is 4:08:35
